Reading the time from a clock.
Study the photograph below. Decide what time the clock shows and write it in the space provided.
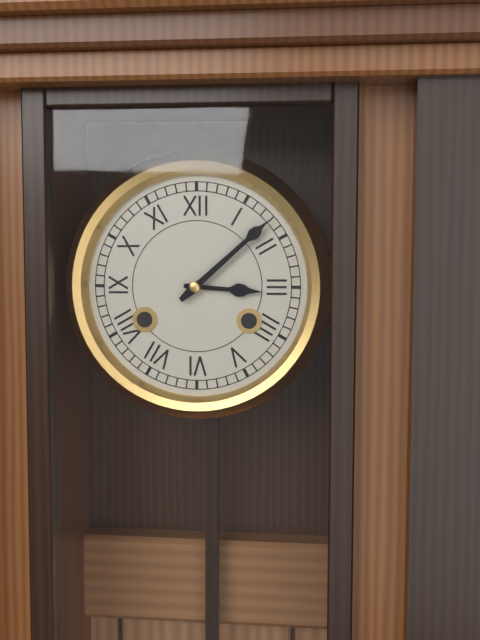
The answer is 3:08
